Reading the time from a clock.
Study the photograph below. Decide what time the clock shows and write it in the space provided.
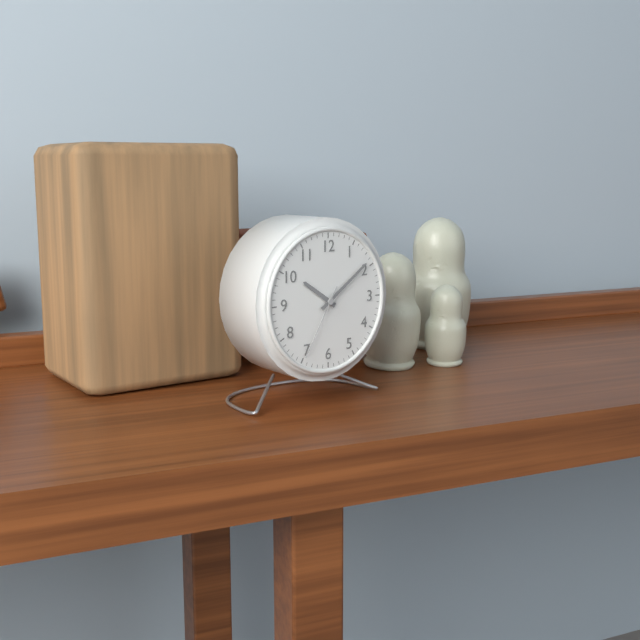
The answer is 10:09:35
